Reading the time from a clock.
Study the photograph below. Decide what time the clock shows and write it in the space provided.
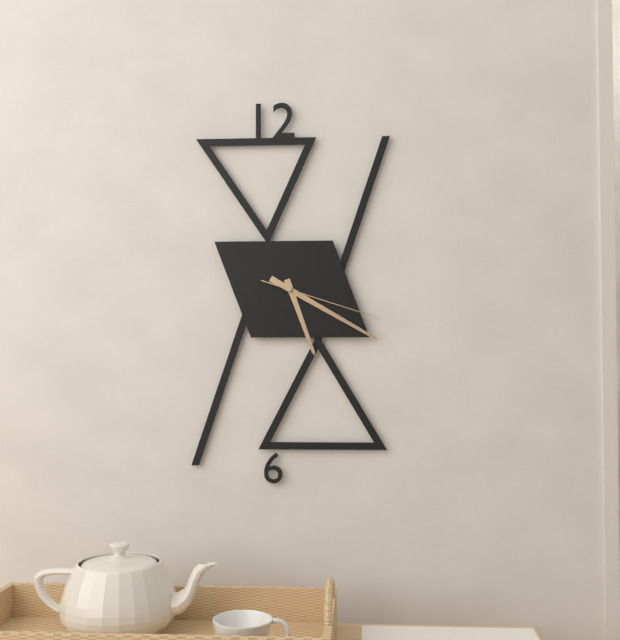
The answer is 5:20:18
